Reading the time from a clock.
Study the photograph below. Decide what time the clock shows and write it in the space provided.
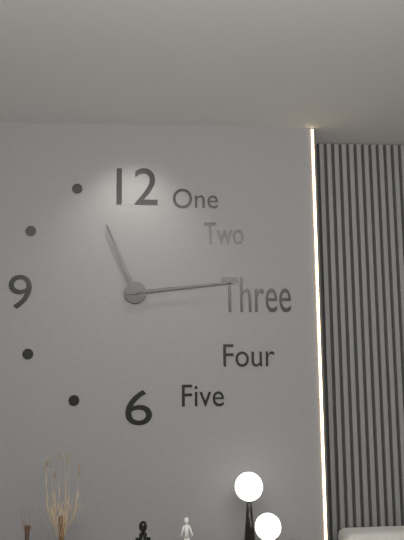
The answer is 11:14
